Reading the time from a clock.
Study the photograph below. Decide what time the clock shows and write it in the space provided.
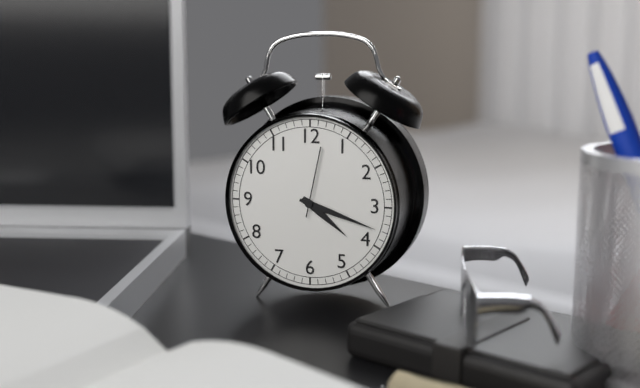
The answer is 4:18:02
